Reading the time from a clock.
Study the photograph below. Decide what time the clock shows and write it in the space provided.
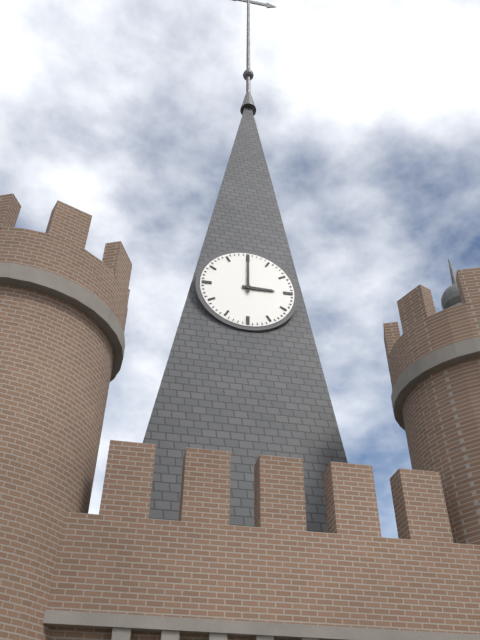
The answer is 3:00
